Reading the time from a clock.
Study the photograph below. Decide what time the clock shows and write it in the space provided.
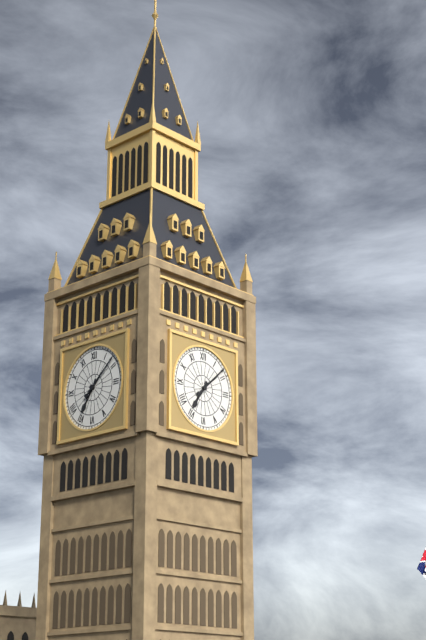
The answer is 7:08
